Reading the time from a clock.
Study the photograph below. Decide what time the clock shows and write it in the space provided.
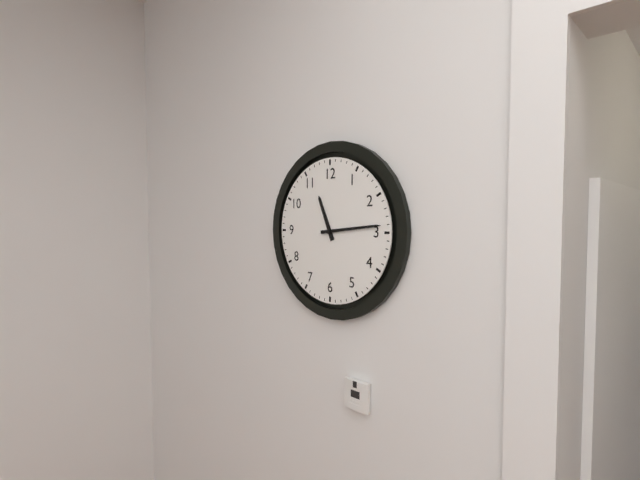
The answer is 11:14
